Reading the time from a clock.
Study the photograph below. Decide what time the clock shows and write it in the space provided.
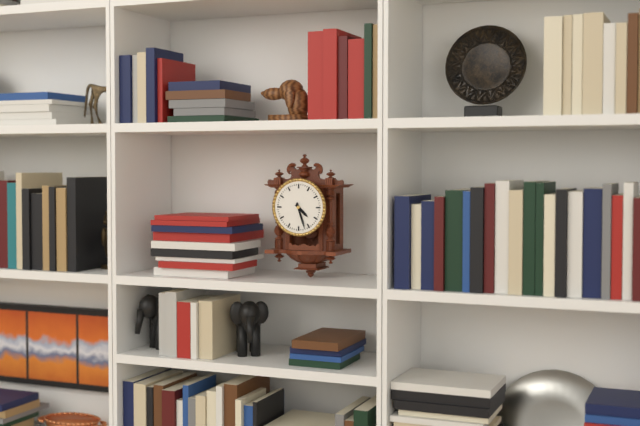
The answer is 4:27
